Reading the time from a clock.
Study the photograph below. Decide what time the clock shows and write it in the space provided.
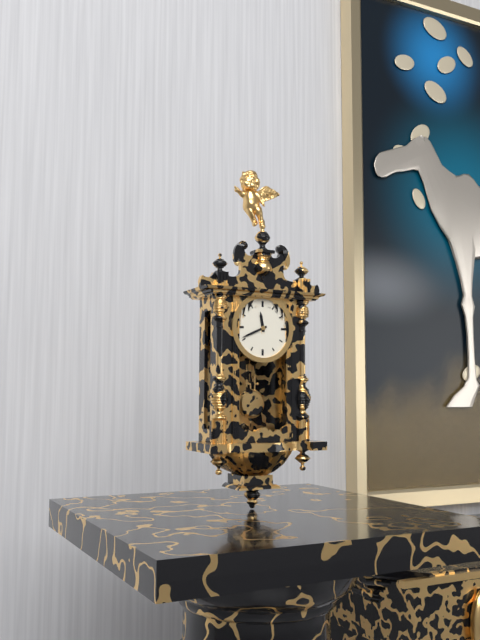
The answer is 11:41
